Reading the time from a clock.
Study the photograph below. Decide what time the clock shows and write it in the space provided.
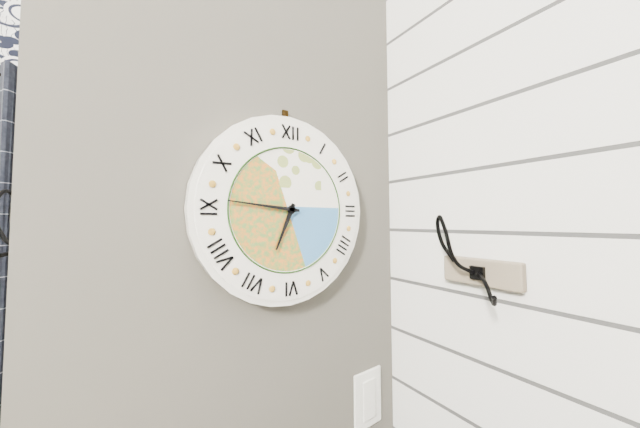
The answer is 6:46
